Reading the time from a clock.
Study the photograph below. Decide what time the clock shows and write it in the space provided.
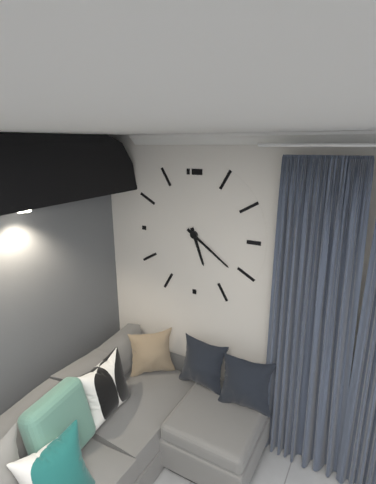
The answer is 5:21
